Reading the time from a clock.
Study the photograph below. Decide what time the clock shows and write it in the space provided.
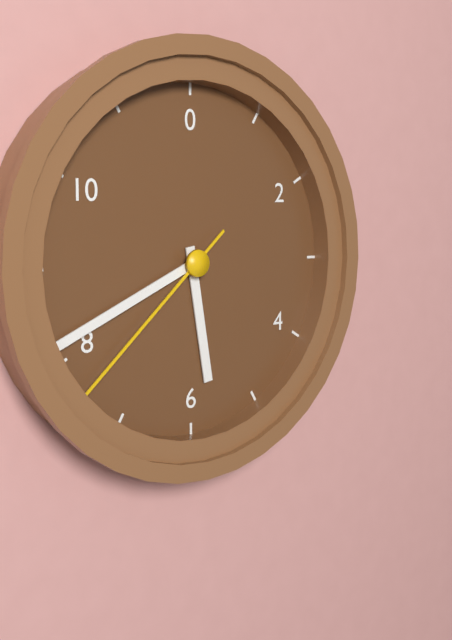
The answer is 5:41:38
